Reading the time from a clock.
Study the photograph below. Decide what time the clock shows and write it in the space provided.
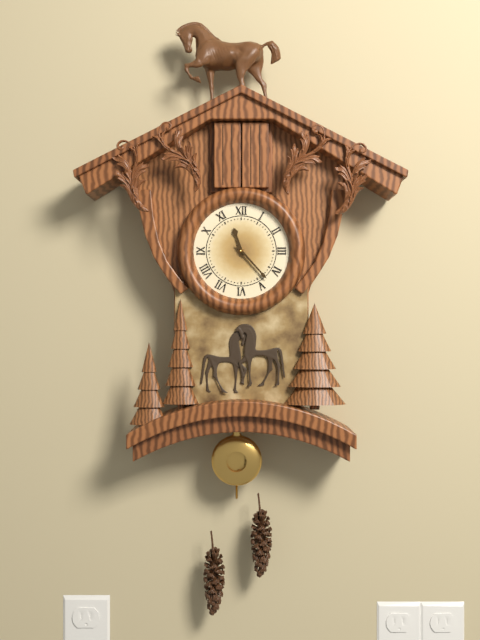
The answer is 11:23
